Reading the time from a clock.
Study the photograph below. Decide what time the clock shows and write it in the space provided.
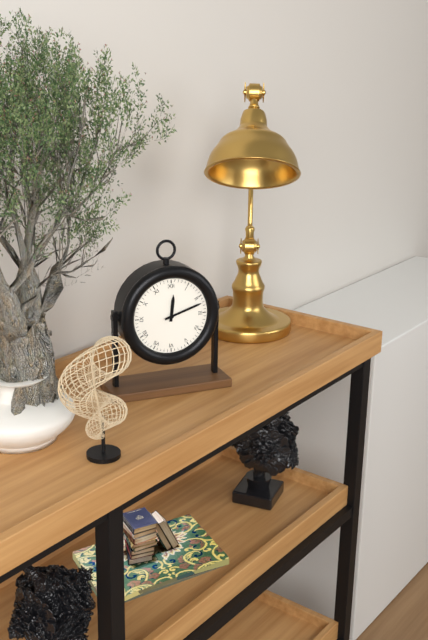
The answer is 12:12
